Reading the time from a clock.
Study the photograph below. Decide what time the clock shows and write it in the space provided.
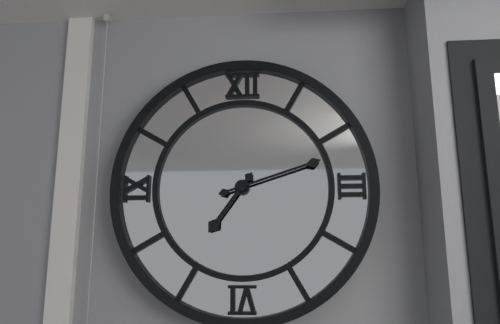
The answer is 7:12
